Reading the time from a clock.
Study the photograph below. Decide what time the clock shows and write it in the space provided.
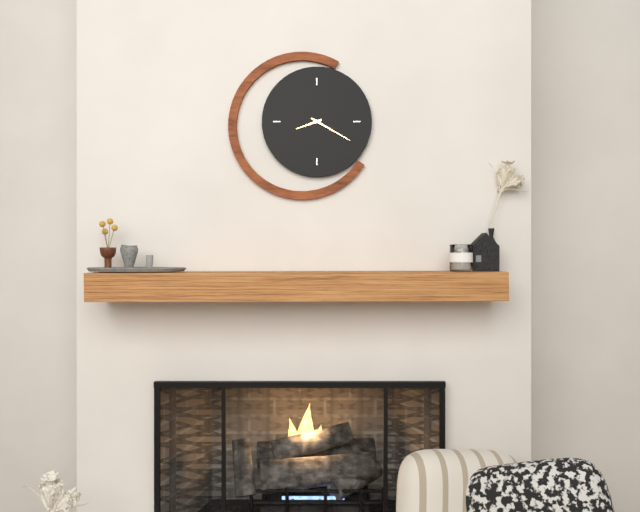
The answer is 8:20
